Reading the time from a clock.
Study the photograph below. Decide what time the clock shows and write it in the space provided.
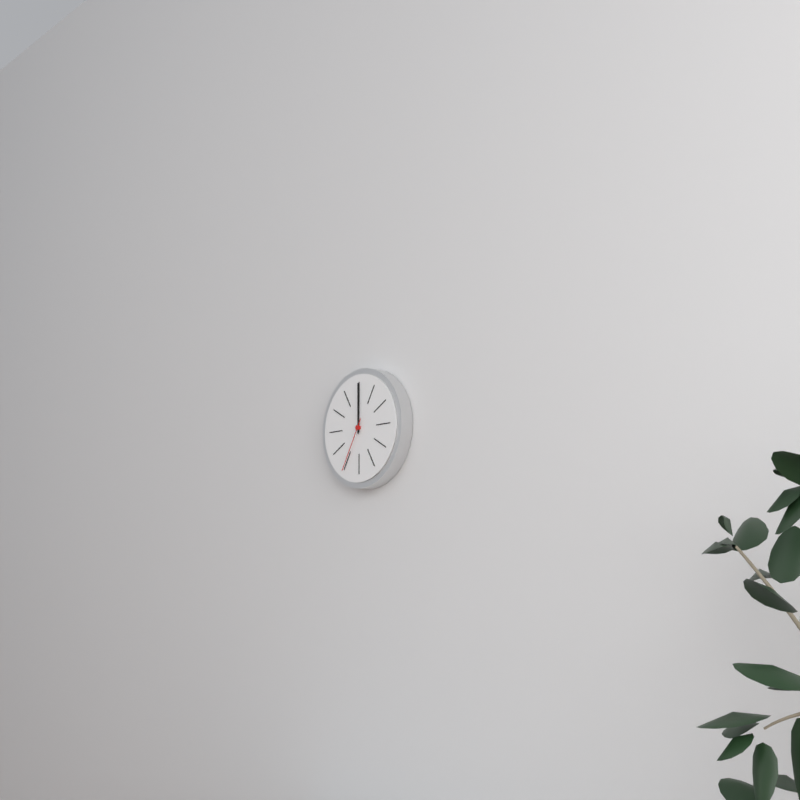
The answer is 12:00:35
